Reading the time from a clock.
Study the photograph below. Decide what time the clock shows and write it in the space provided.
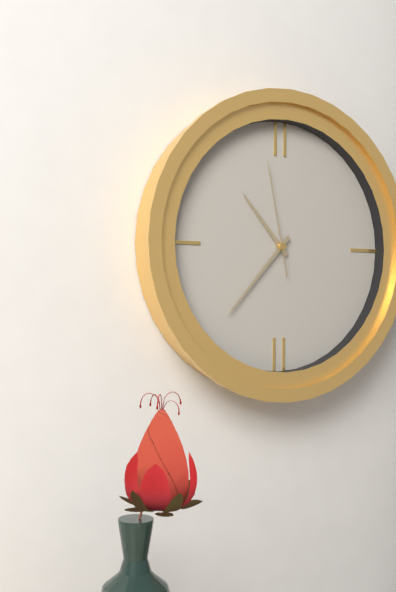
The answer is 10:37:58
